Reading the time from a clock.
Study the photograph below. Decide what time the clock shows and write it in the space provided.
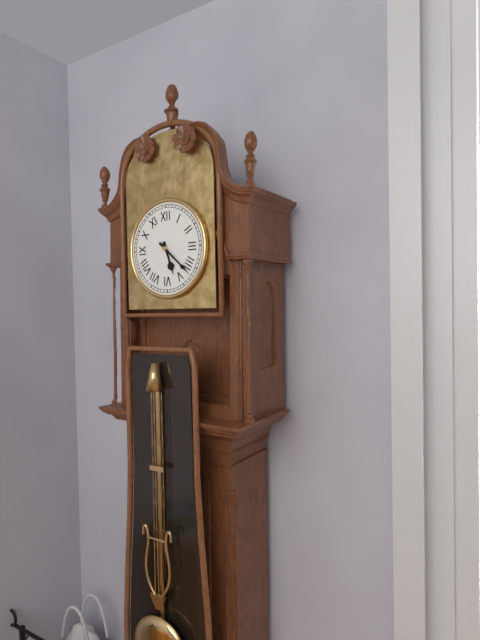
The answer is 5:22
